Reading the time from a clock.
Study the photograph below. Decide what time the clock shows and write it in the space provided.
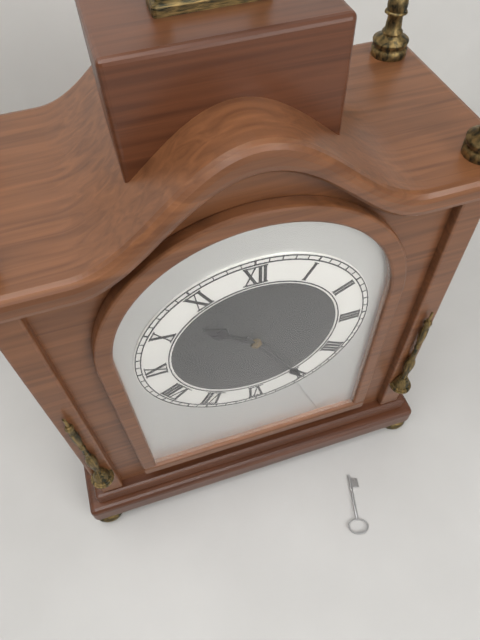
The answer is 10:25
